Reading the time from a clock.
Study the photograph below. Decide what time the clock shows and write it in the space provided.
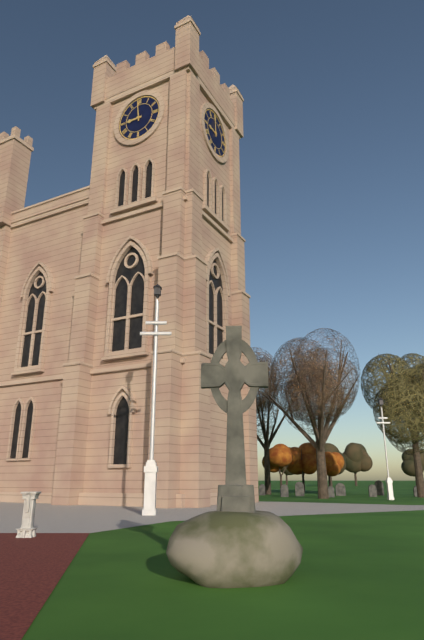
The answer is 8:59
